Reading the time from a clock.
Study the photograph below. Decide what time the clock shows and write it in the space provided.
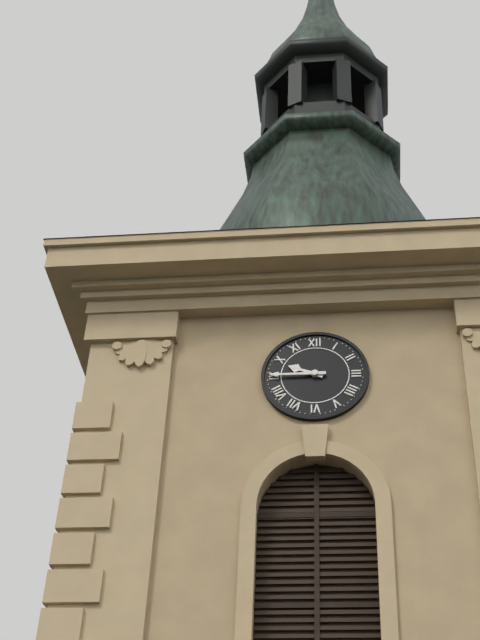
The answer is 9:45
